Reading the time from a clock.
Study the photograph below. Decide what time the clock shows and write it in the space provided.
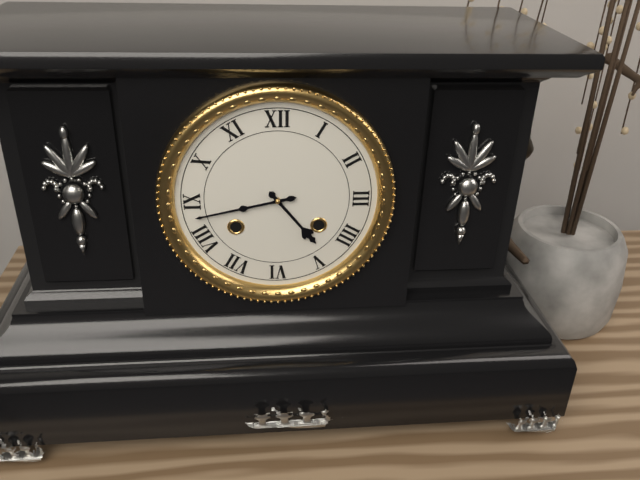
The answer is 4:43
